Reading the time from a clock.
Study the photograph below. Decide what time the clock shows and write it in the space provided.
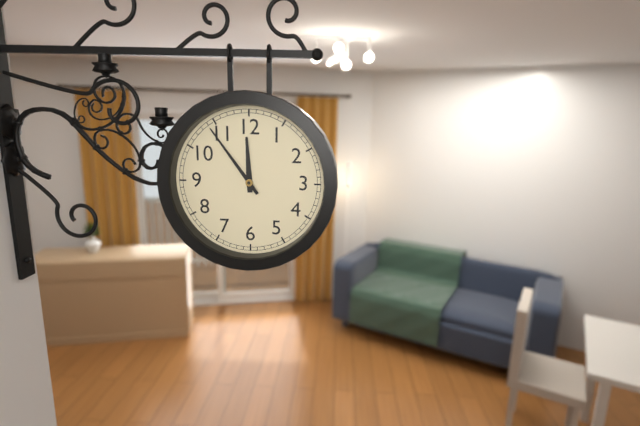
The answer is 11:54
